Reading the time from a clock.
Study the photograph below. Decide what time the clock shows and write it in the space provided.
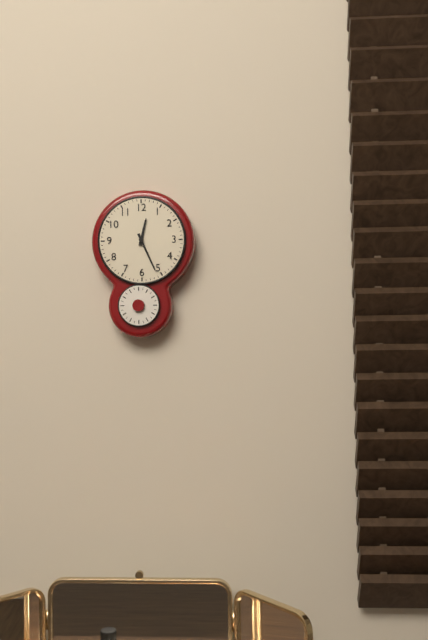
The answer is 12:26
